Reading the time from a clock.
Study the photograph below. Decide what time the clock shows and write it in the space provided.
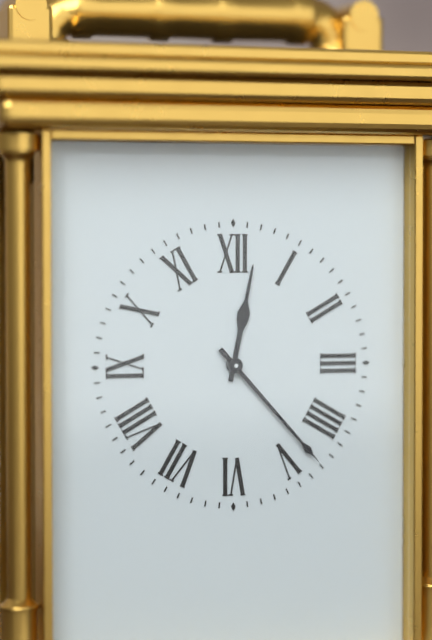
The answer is 12:23
